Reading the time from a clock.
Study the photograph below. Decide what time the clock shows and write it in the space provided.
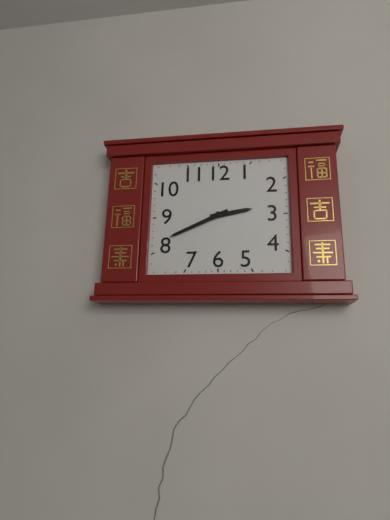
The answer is 2:41
